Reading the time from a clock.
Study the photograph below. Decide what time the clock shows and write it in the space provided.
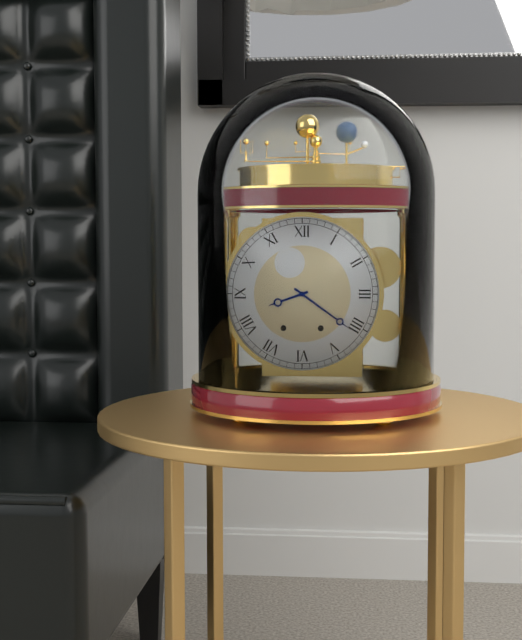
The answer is 8:21
